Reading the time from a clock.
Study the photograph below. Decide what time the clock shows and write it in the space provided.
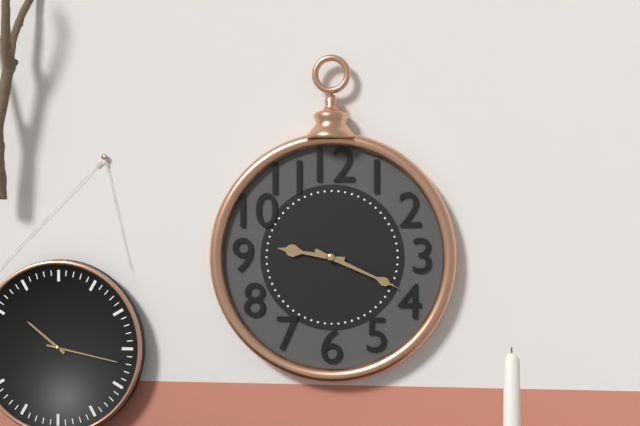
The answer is 9:19
